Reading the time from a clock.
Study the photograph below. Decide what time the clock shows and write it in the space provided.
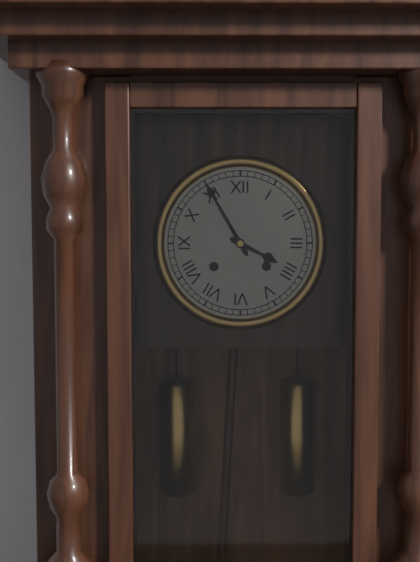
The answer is 3:55
